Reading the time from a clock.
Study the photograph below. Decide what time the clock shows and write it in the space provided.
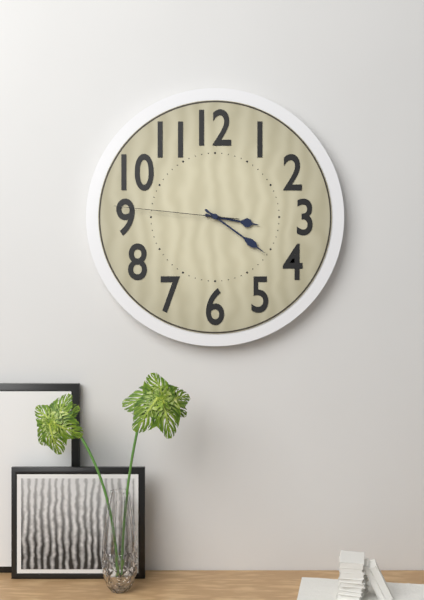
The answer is 3:21:46
